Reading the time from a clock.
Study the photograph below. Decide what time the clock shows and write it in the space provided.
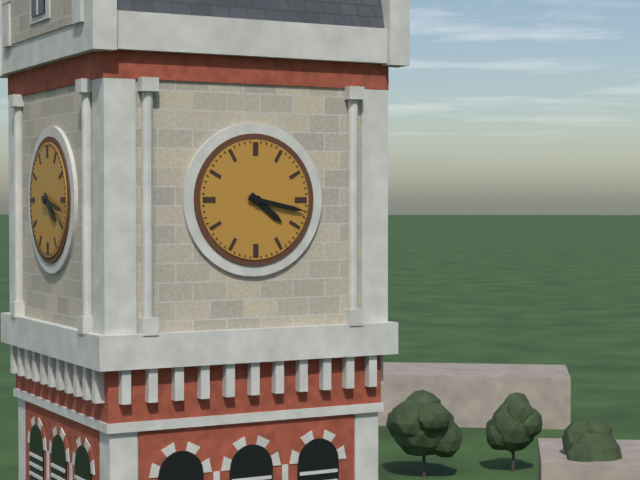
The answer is 4:17
